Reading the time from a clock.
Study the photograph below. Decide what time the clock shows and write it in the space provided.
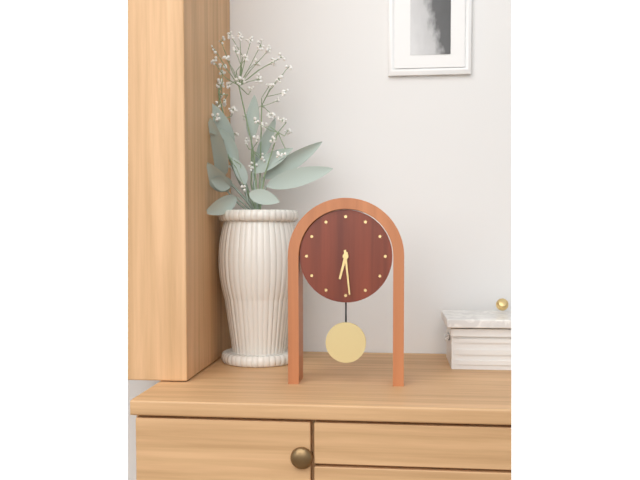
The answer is 6:29
